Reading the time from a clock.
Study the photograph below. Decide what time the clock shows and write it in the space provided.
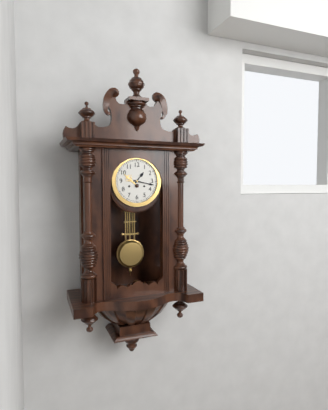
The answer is 1:17
